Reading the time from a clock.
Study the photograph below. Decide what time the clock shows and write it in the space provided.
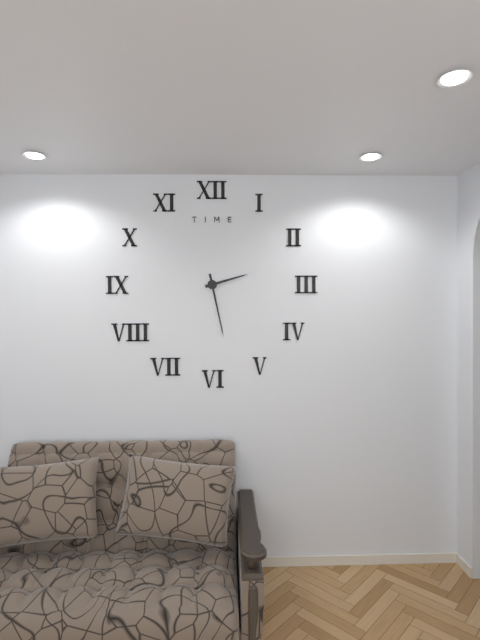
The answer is 2:28
